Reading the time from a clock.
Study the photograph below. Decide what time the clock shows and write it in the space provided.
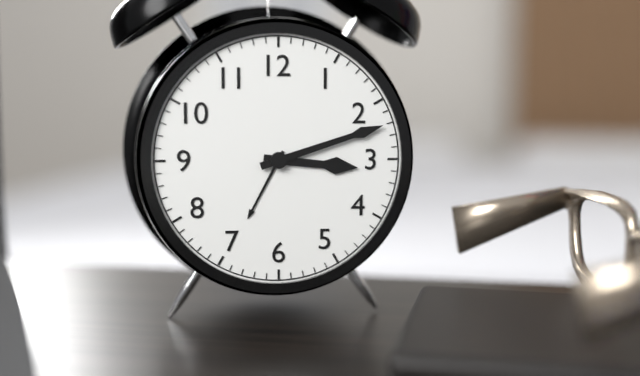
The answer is 3:12
